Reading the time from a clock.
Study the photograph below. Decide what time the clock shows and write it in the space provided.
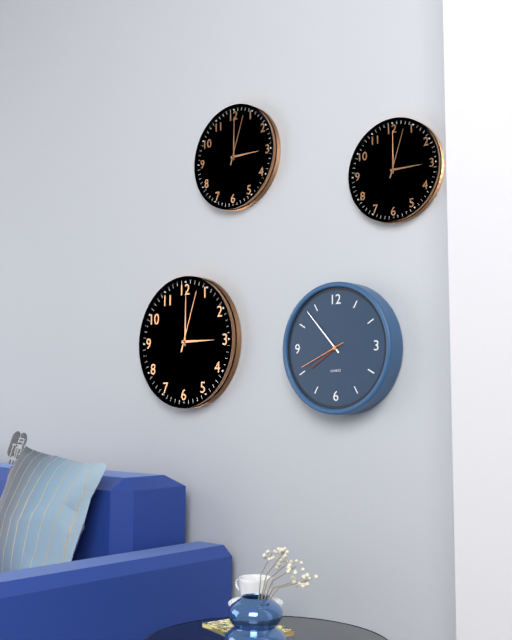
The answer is 7:53
